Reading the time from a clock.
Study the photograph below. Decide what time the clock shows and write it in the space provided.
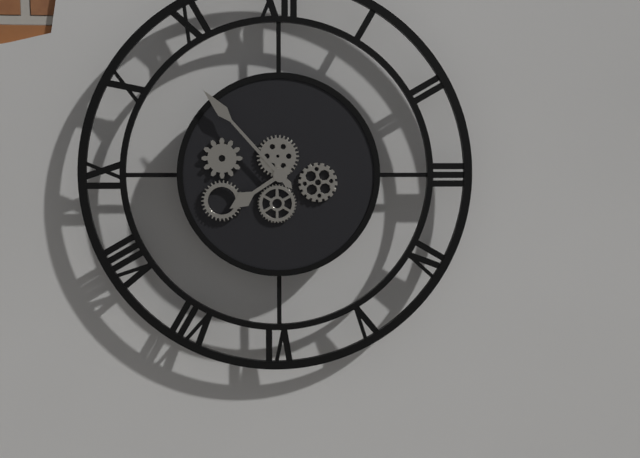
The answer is 7:53
